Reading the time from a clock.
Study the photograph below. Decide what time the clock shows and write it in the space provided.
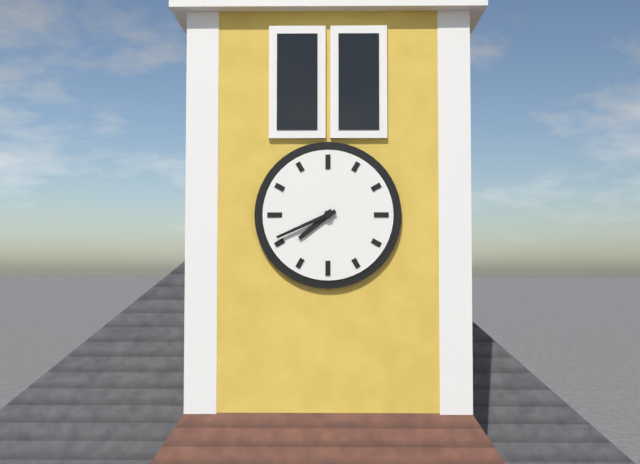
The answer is 7:41
